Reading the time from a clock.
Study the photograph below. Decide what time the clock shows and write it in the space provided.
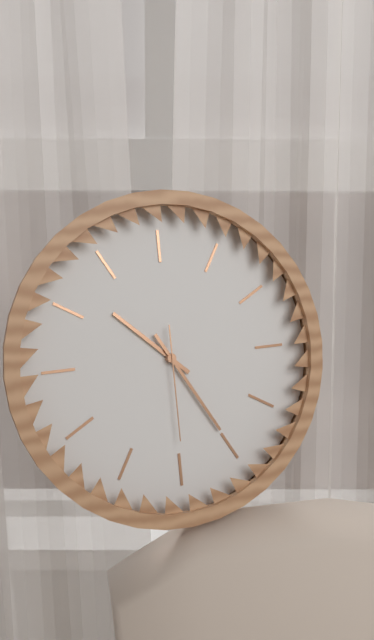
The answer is 10:25:30
